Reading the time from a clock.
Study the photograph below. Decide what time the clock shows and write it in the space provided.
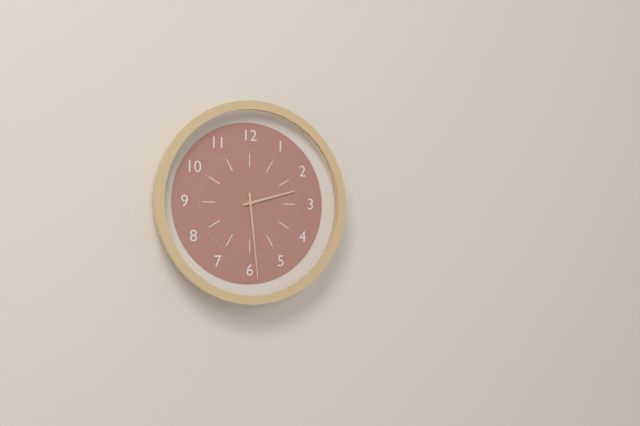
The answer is 2:29
